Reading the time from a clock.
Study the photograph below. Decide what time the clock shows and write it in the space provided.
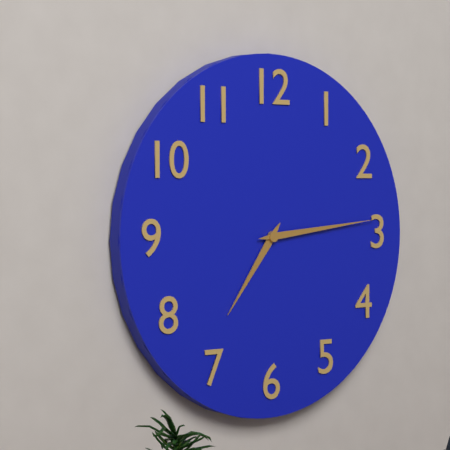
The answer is 7:14
